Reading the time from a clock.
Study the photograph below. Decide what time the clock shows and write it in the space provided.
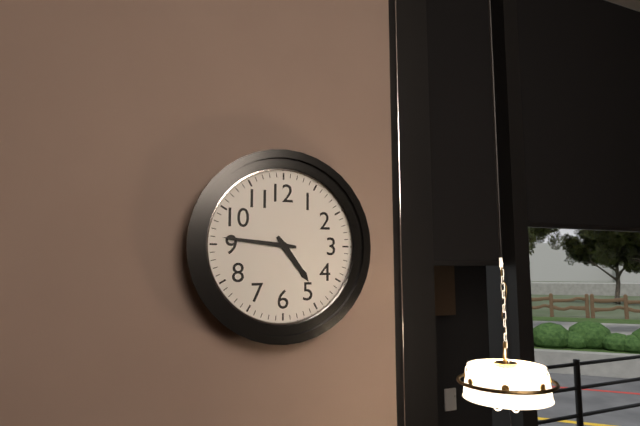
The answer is 4:46
